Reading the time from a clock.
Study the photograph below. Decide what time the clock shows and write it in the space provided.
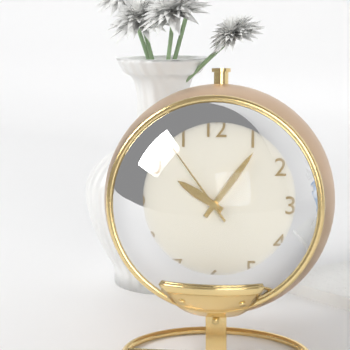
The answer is 10:06:54
